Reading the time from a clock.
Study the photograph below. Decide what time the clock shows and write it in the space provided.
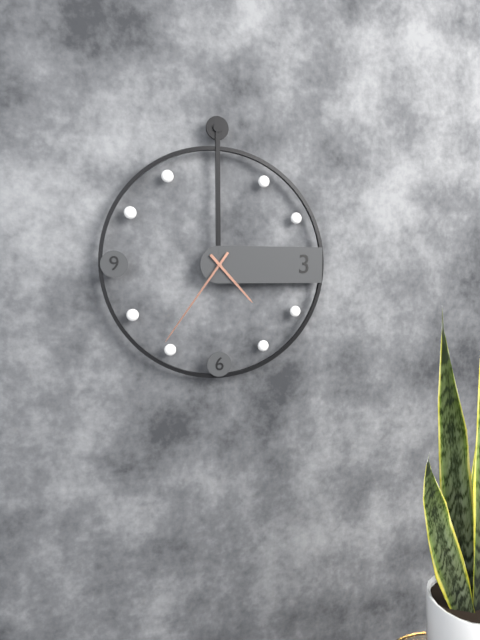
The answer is 4:36
